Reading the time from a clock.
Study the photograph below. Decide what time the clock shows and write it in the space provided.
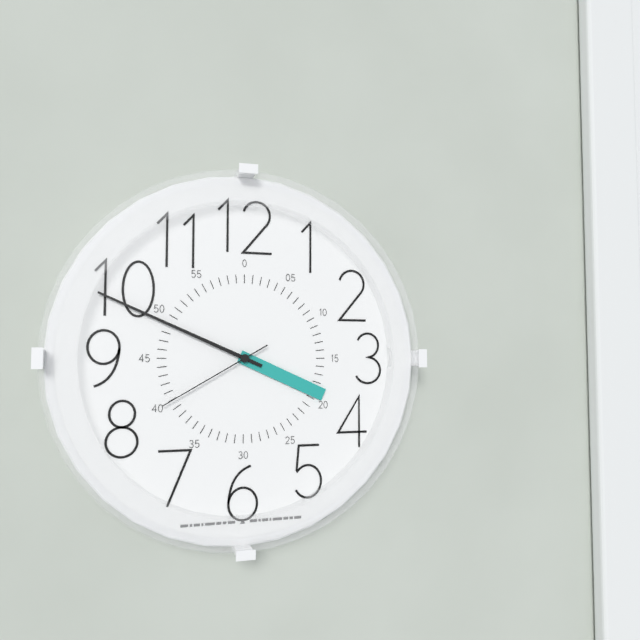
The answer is 3:49:40
